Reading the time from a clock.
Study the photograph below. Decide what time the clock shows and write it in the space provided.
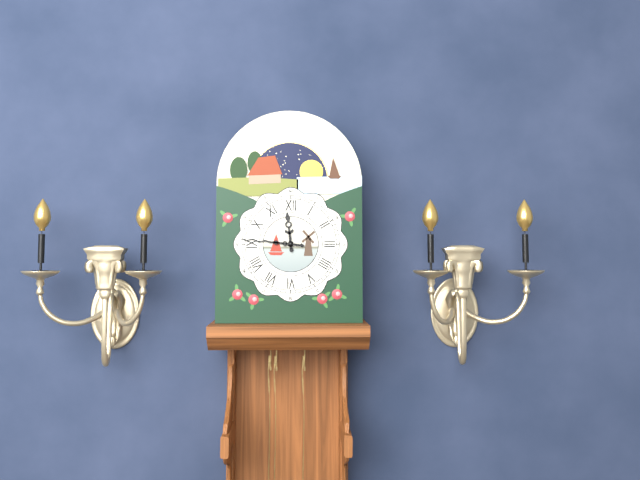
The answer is 11:46
